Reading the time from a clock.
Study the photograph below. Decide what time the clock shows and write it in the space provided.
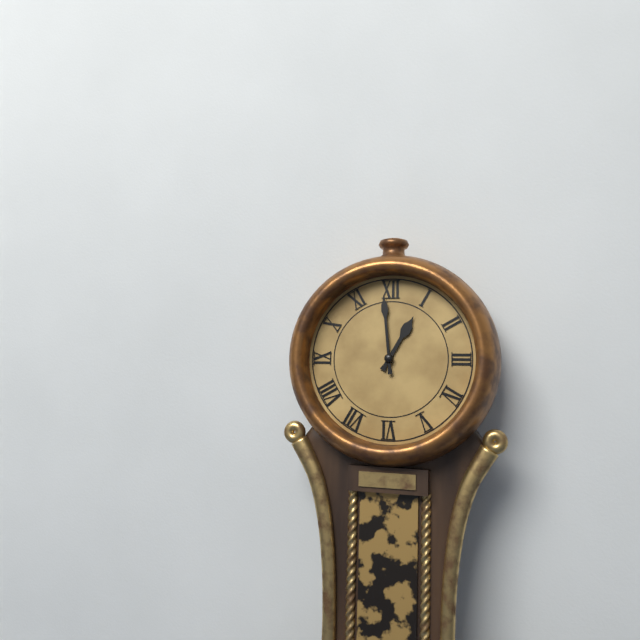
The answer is 12:59
